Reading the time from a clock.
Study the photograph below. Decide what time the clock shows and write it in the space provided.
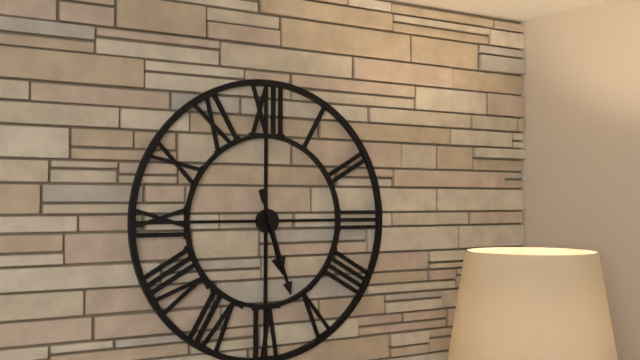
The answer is 5:27
